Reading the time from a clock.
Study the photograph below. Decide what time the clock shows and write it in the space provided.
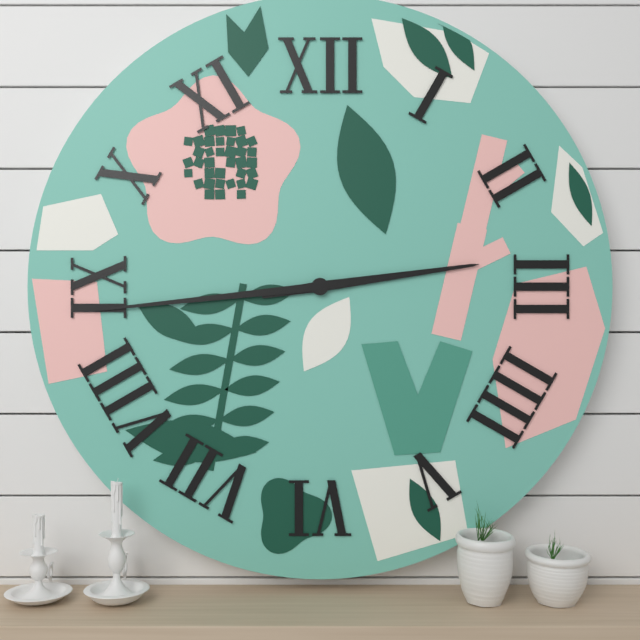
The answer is 2:44
